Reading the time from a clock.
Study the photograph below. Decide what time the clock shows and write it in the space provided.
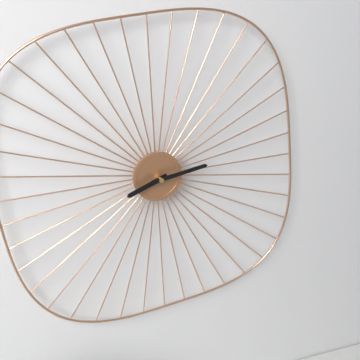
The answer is 8:13
